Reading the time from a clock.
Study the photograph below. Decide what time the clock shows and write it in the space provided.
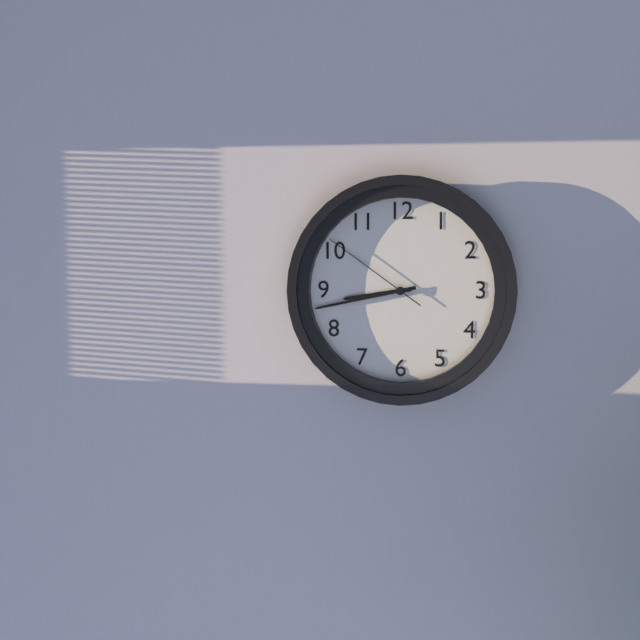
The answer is 8:43:51
